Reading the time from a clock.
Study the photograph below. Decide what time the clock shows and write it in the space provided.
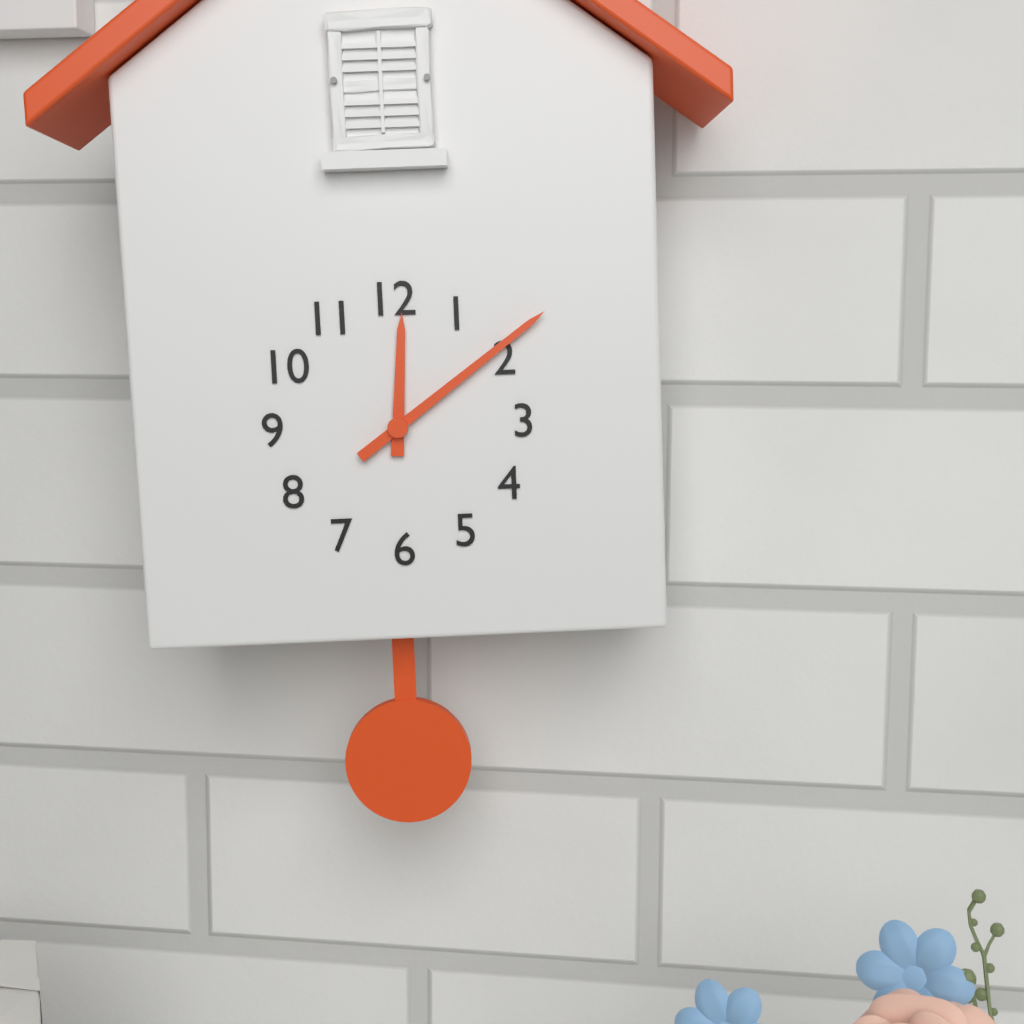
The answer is 12:09
